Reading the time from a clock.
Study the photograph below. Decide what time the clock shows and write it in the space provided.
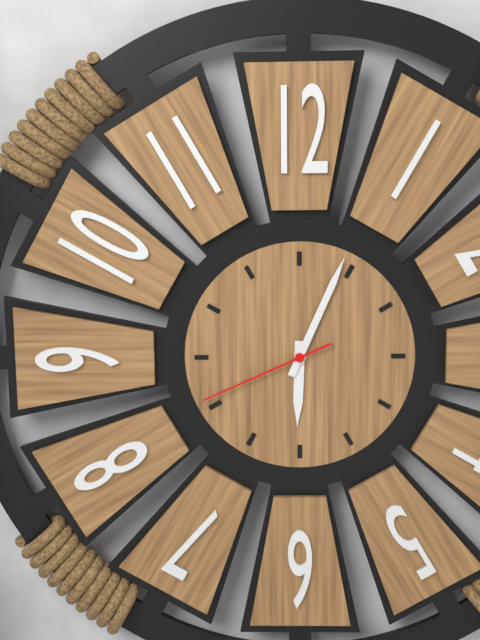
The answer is 6:04:41
